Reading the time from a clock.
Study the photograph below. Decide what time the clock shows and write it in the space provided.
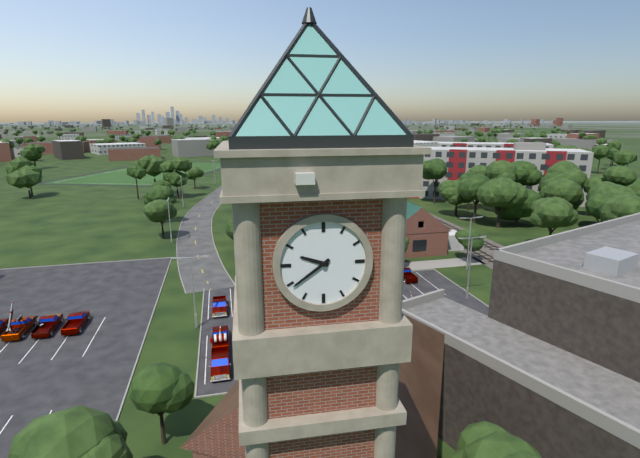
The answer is 9:39
